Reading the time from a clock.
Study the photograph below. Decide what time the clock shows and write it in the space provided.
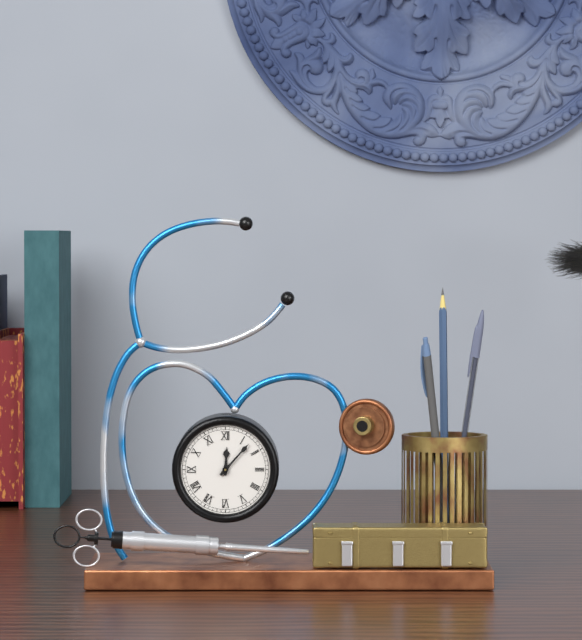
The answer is 12:07
